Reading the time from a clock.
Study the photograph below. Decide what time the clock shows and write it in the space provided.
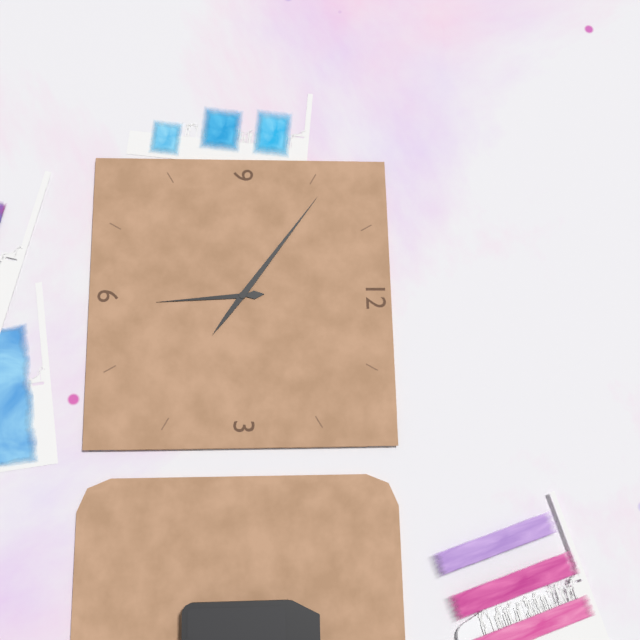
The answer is 5:51
